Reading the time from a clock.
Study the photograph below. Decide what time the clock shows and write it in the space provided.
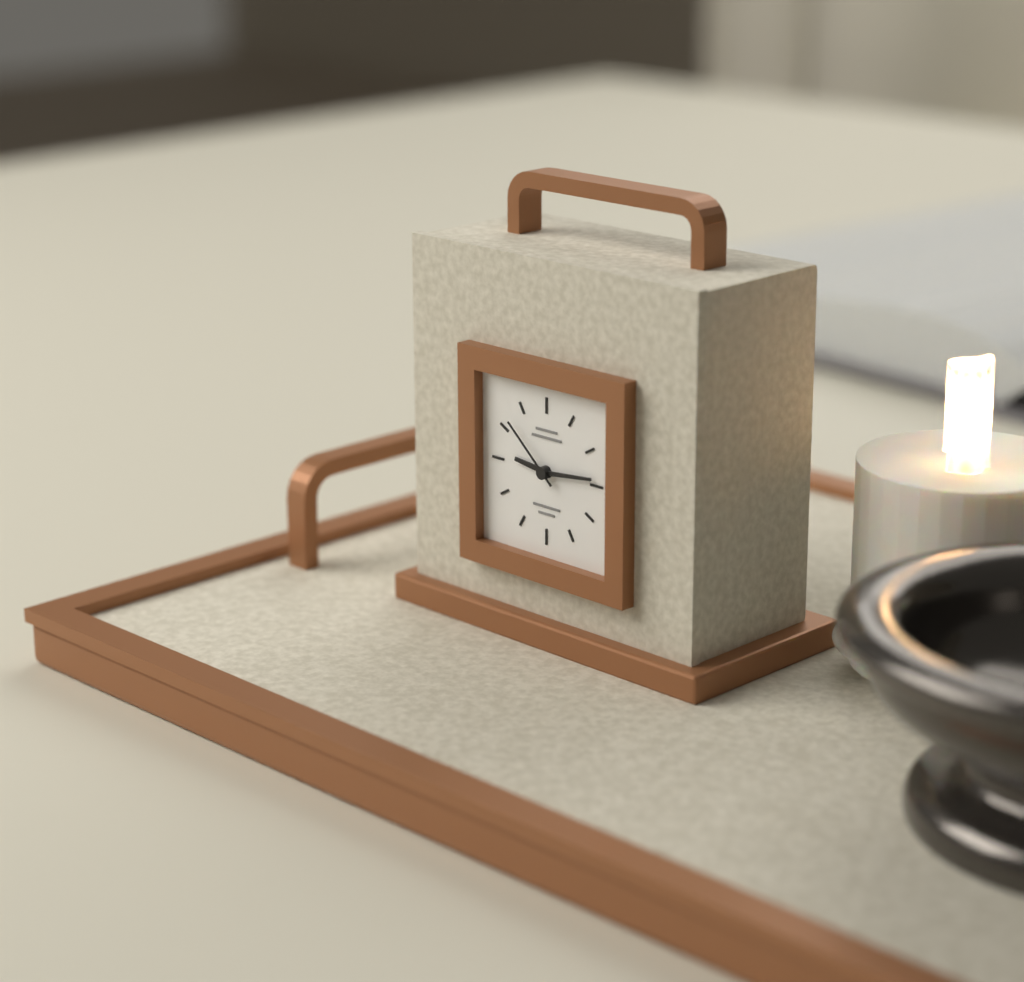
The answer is 9:14:52
